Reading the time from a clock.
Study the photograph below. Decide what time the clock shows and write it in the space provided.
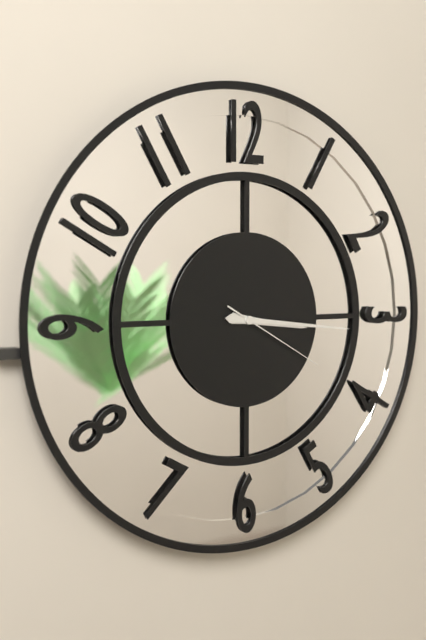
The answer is 3:16:20
